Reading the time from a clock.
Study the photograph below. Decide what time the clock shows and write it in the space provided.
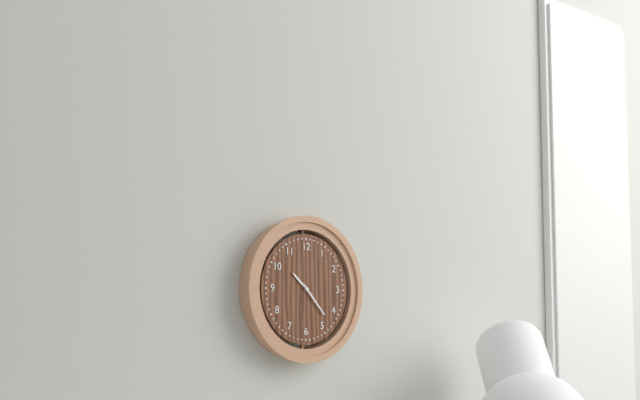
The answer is 10:23
